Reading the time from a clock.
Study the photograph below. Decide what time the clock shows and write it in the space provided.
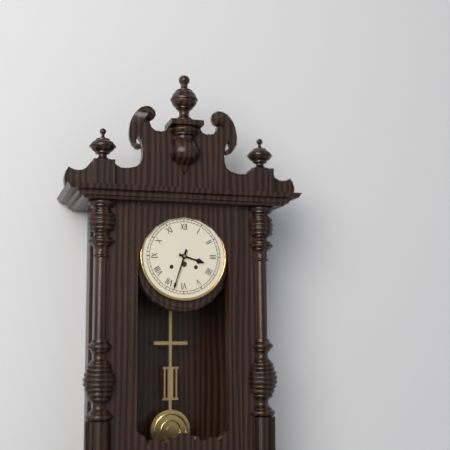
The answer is 3:33
